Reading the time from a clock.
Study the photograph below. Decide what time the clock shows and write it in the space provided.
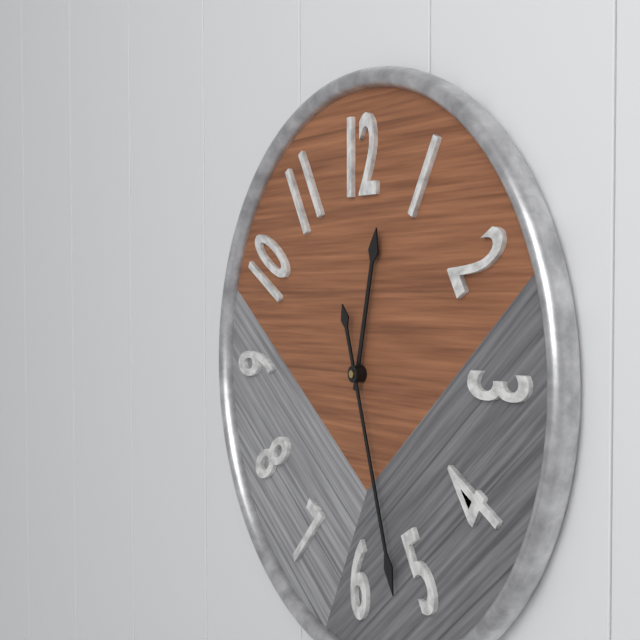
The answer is 12:27
